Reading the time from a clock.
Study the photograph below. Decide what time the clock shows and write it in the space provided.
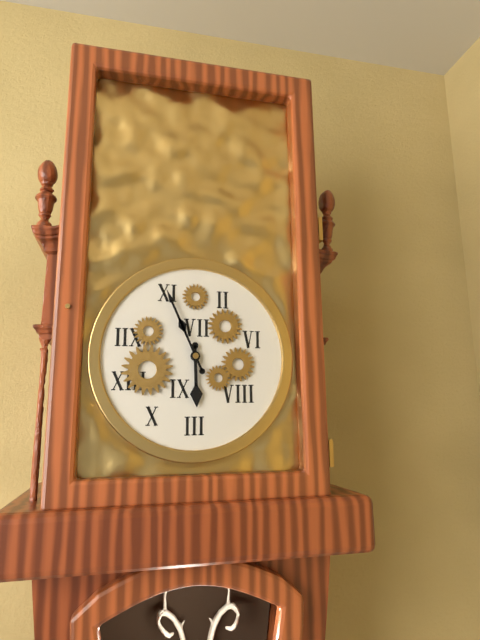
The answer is 5:56
